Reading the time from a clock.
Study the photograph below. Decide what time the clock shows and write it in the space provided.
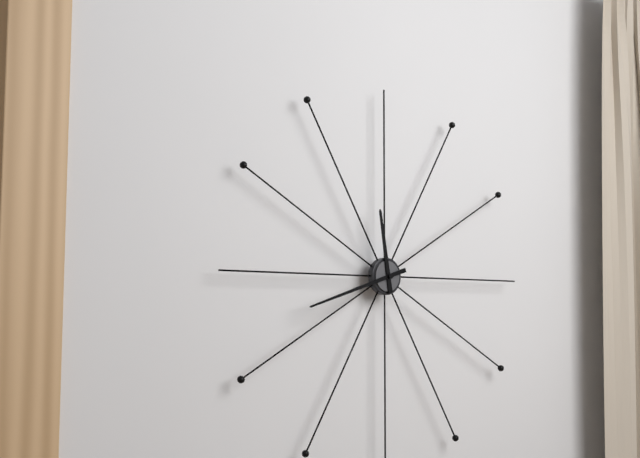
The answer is 11:42
